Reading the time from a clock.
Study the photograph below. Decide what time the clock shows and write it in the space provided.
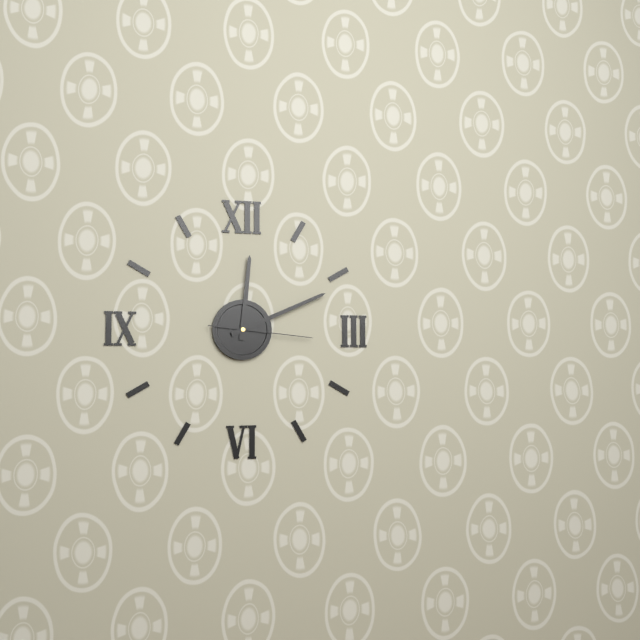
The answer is 12:11:16
